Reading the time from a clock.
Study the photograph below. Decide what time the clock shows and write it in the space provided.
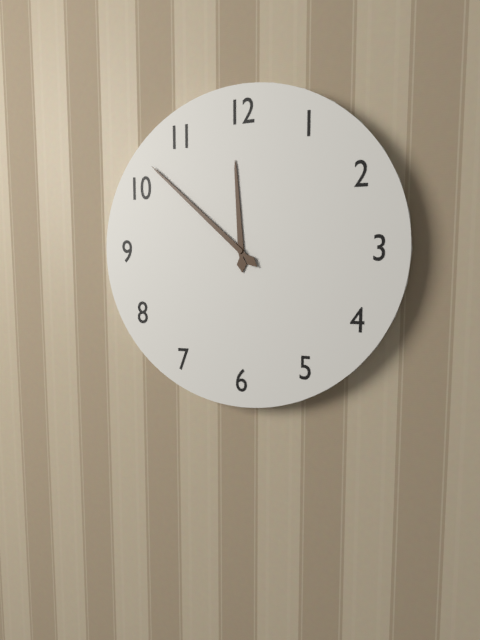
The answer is 11:52
